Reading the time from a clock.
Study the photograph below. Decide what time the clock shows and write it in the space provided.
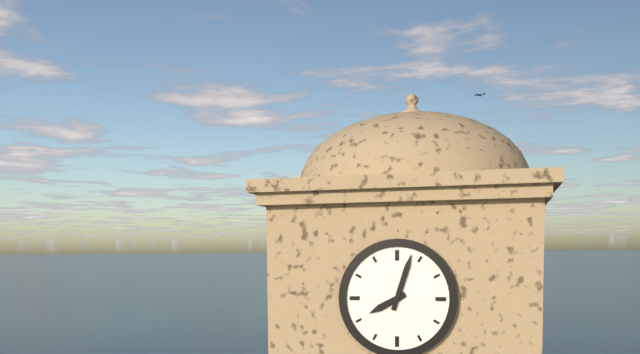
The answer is 8:03
